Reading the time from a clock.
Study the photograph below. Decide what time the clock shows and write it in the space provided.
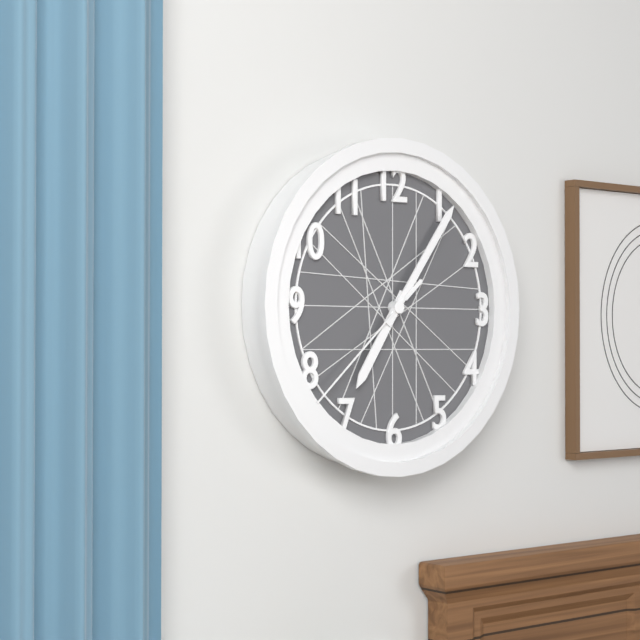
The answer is 7:06:38
